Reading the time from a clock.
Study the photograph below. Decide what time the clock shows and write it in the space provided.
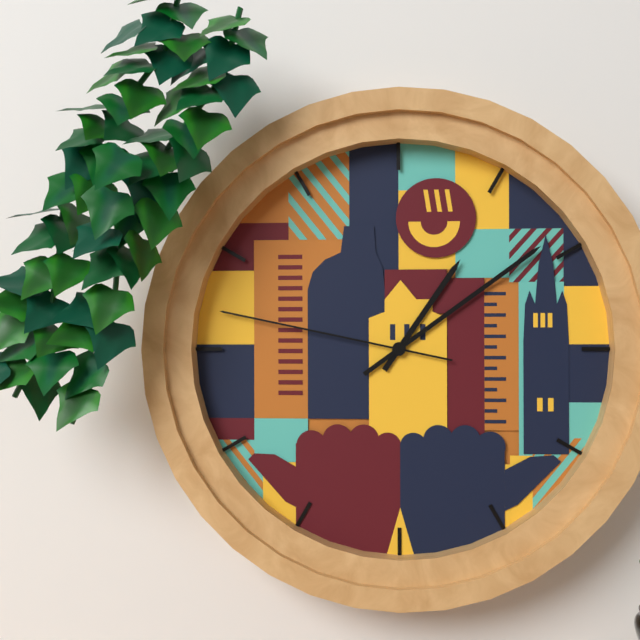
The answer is 1:09:47
